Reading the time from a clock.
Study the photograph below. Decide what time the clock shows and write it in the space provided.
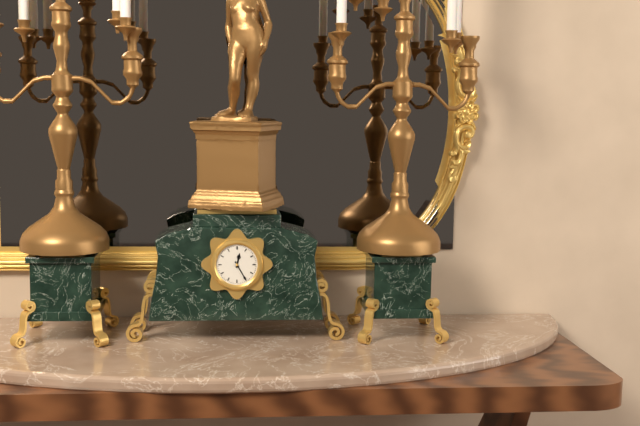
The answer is 12:25
